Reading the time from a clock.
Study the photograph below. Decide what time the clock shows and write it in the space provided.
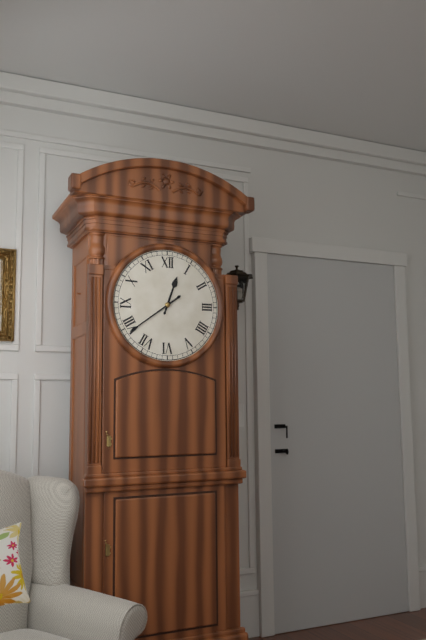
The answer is 12:39
